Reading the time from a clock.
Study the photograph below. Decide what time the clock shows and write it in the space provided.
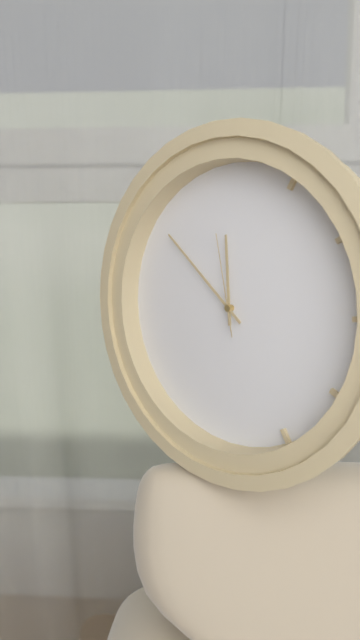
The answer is 11:52:58
